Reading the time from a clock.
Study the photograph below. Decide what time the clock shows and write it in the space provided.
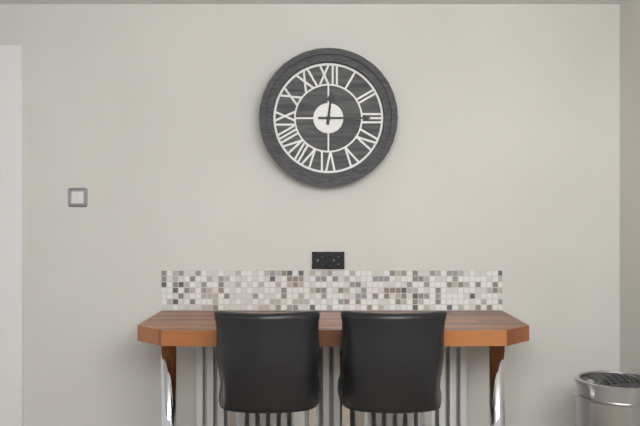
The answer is 12:15
